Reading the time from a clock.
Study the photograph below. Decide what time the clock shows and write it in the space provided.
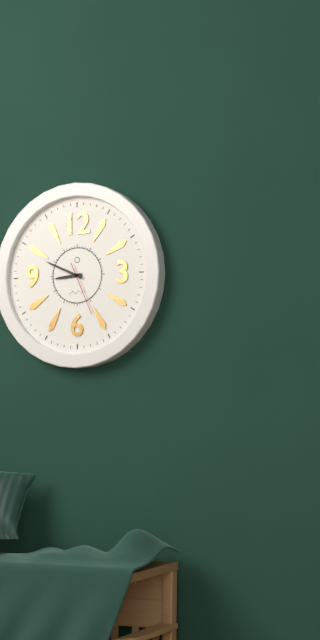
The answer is 8:49:26
